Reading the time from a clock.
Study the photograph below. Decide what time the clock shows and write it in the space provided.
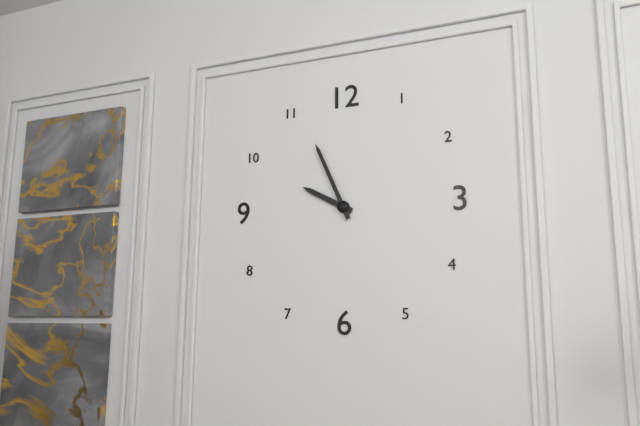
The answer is 9:56
